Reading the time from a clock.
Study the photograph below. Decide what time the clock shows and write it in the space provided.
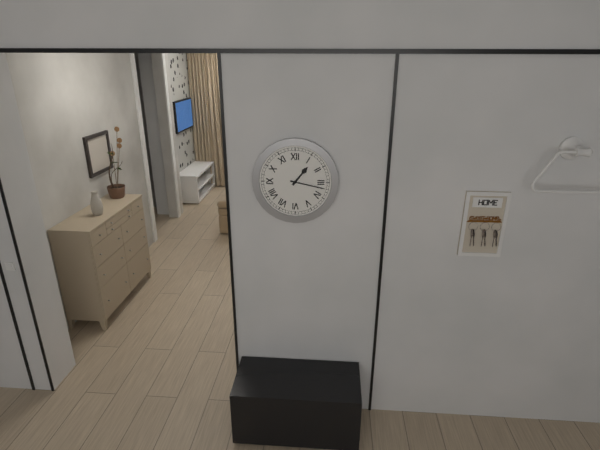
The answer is 1:17
